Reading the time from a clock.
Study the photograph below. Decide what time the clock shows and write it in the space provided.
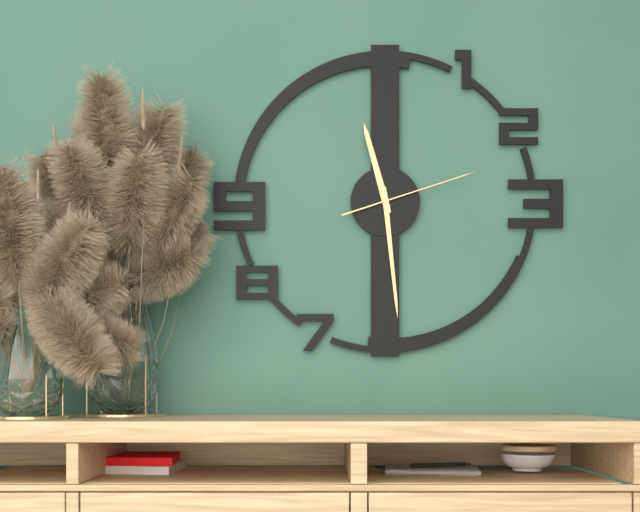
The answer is 11:29:12
